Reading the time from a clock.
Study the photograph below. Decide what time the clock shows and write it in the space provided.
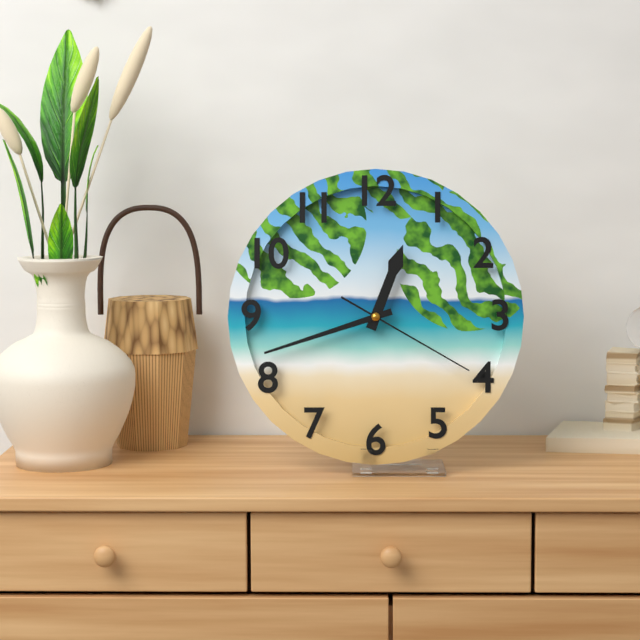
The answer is 12:42:20
